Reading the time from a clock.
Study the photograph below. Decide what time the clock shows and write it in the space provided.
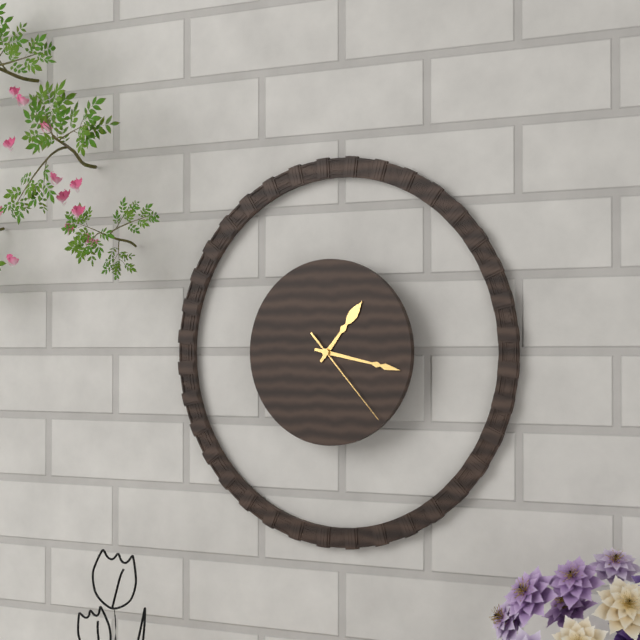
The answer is 1:17:23
